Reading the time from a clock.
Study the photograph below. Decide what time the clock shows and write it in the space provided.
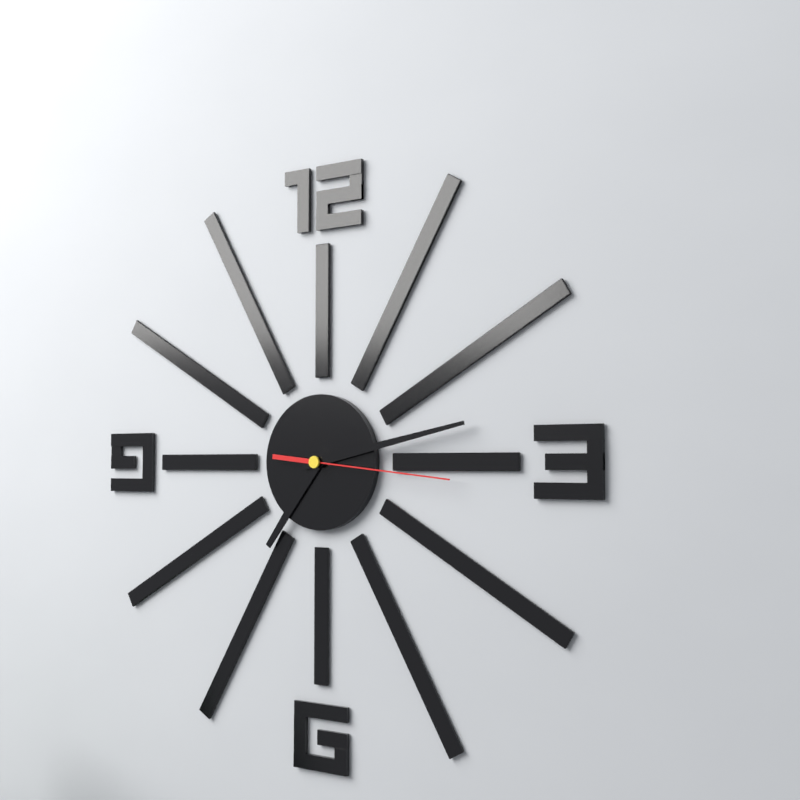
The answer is 7:13:16
